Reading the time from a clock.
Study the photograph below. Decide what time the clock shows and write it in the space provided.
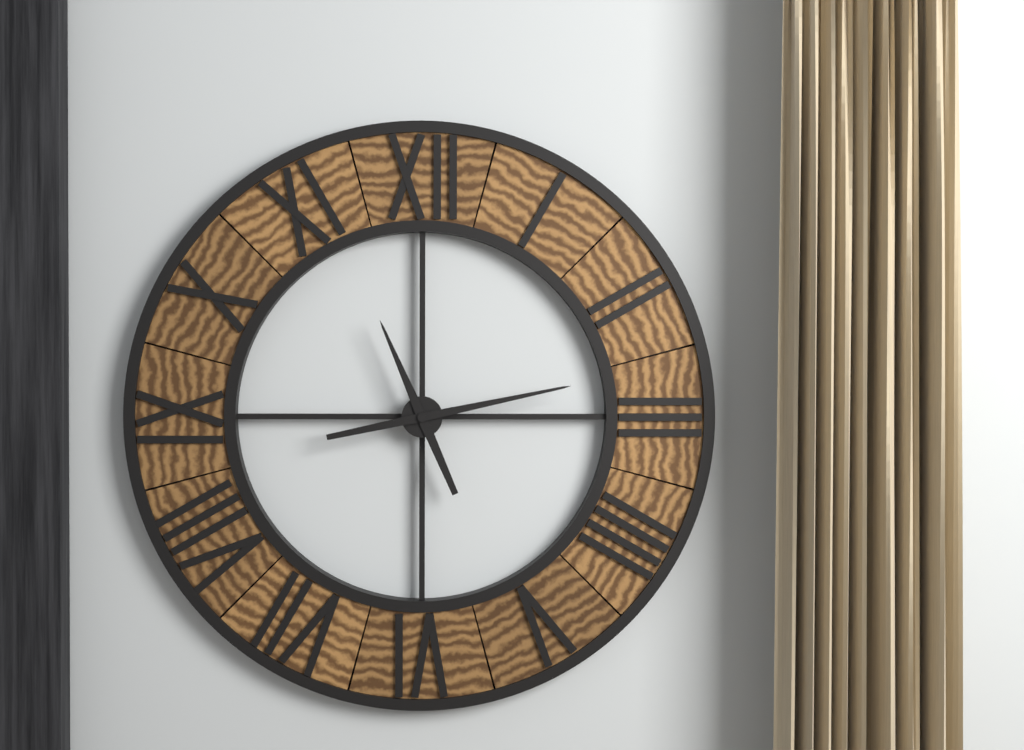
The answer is 11:13
